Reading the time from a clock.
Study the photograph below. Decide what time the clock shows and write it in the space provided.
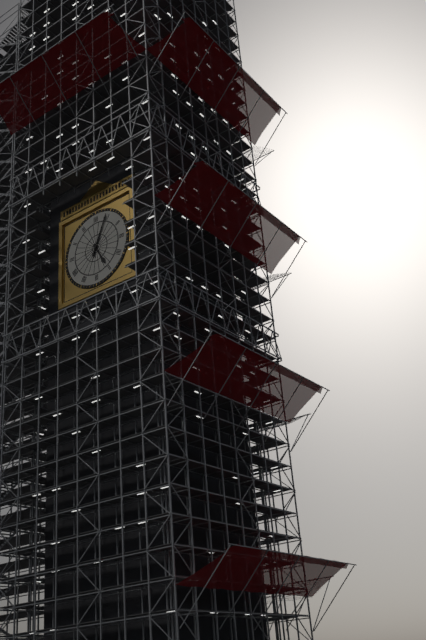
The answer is 5:04
